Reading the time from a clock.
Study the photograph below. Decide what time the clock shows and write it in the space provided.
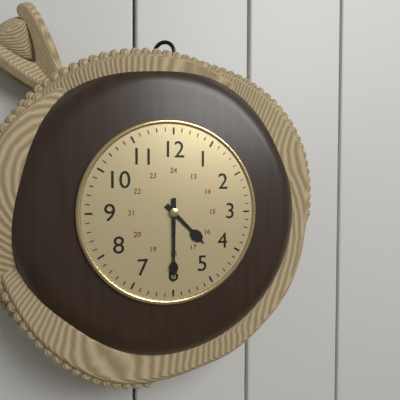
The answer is 4:30
